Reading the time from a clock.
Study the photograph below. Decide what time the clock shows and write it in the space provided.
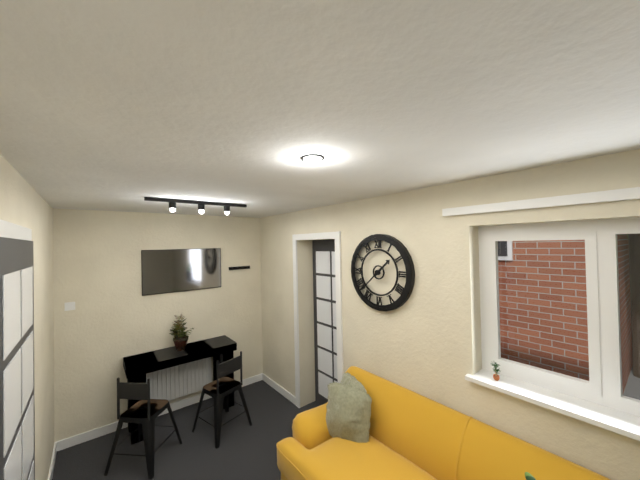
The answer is 1:38
